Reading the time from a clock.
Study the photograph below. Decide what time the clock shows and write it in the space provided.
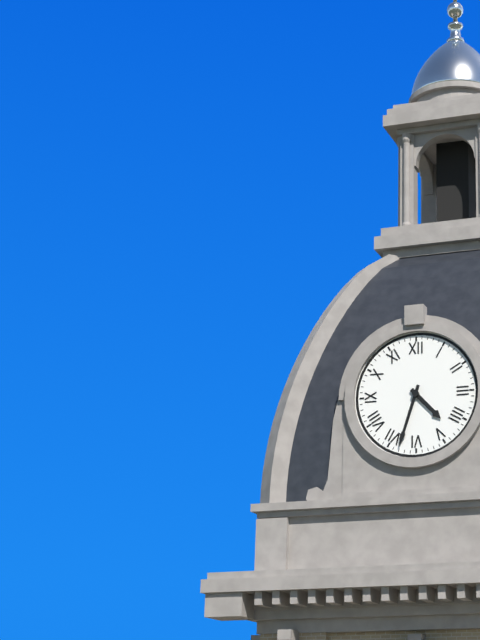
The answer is 4:33
